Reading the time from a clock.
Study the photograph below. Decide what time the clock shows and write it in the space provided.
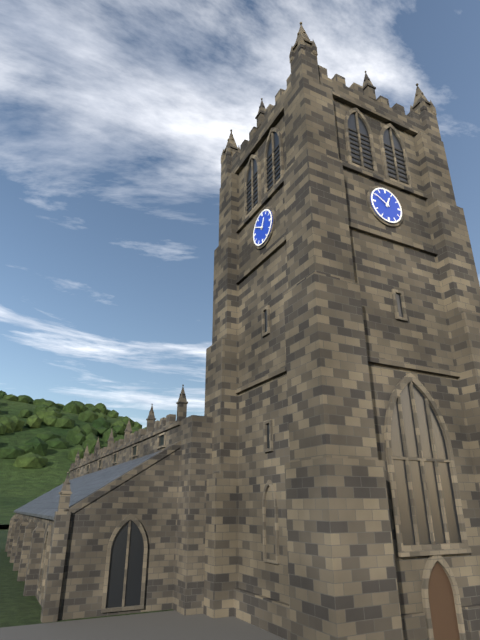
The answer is 12:50
